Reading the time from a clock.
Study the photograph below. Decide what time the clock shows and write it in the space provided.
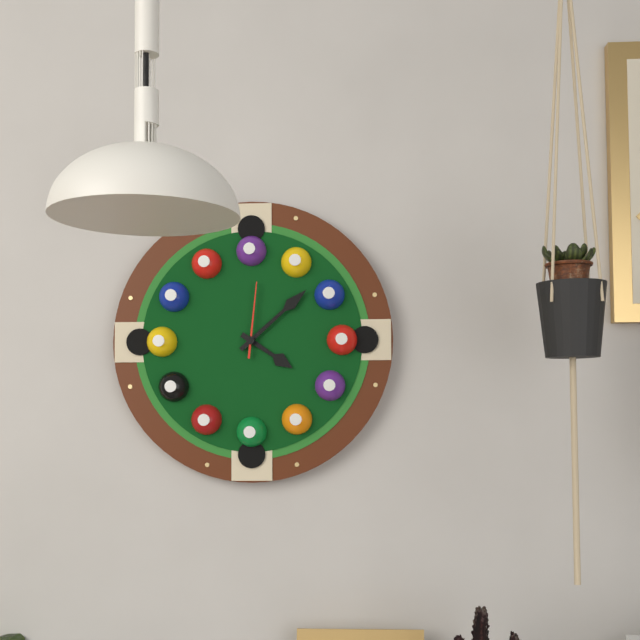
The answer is 4:08:01
